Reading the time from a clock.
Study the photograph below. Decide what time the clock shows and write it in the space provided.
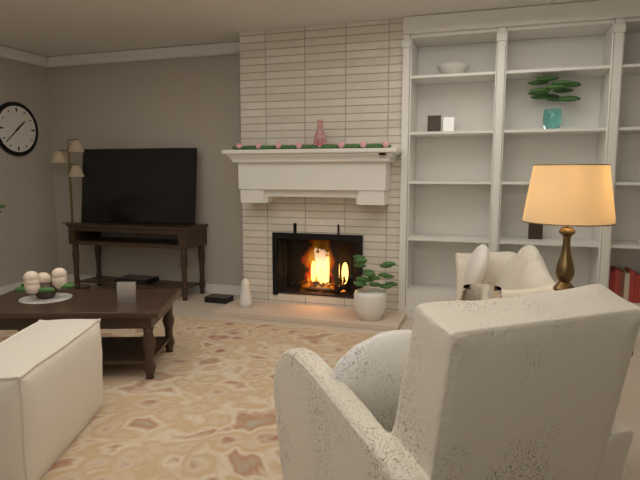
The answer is 1:38
